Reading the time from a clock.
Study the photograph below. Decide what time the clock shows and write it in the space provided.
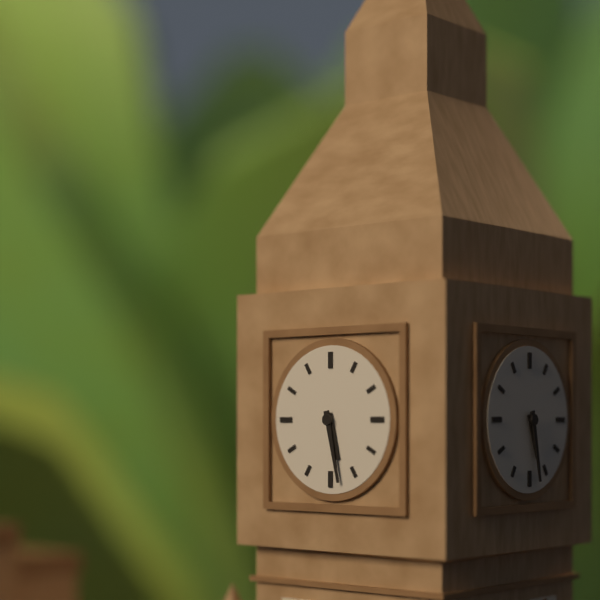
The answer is 5:28
